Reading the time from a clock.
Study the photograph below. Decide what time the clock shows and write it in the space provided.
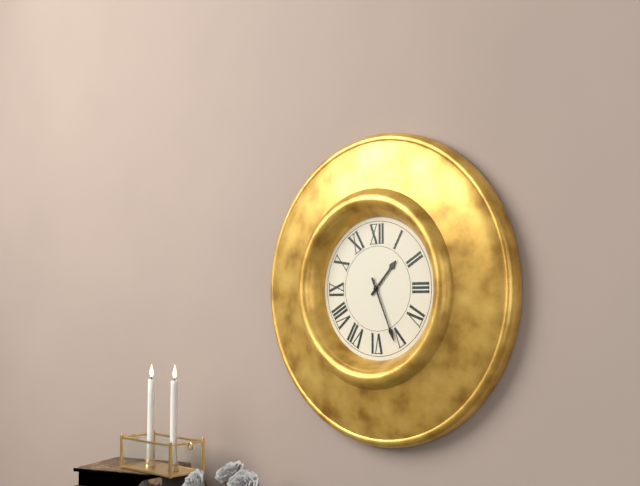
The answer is 1:26
